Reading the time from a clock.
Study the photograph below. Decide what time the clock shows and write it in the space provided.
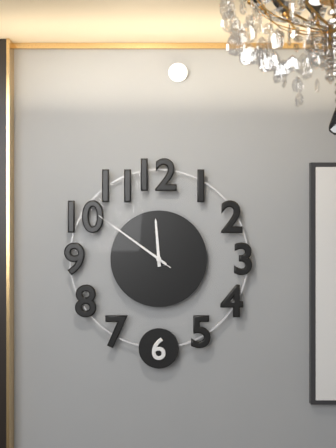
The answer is 11:51:51
